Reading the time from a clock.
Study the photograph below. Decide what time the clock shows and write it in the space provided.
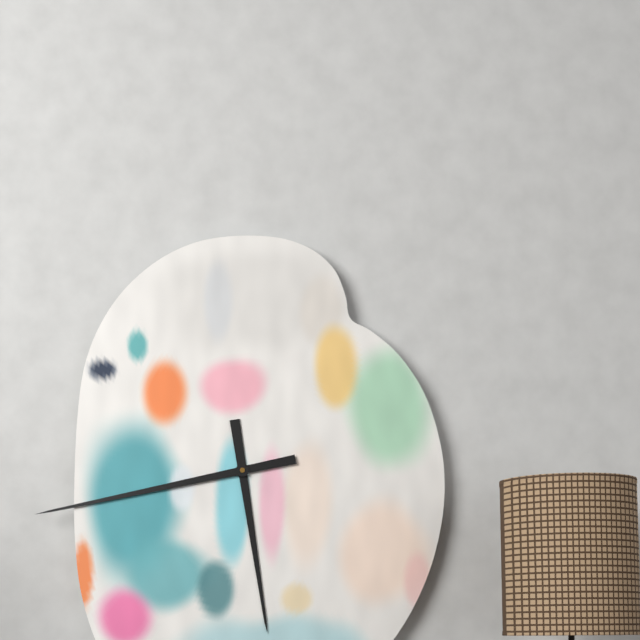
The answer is 5:43
